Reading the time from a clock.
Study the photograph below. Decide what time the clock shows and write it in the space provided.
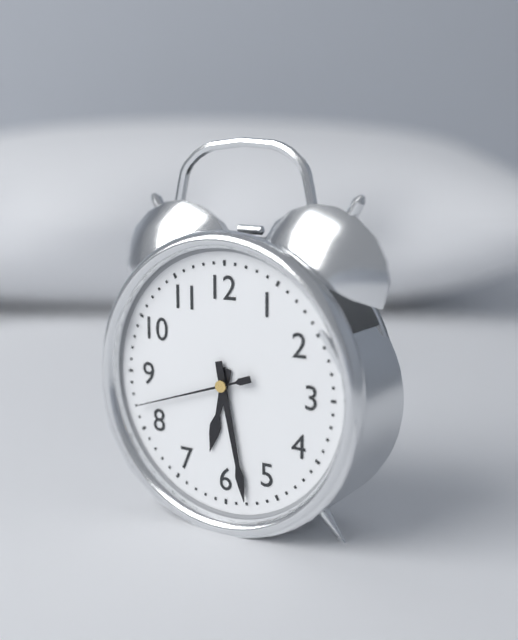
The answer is 6:28:42
